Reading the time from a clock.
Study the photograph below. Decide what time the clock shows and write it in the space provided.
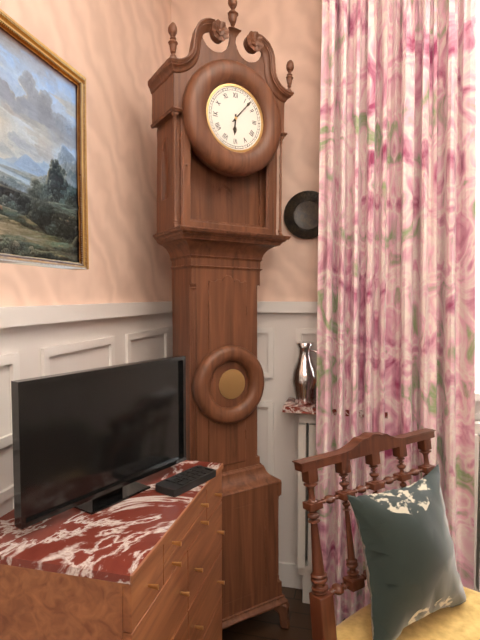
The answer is 6:07
